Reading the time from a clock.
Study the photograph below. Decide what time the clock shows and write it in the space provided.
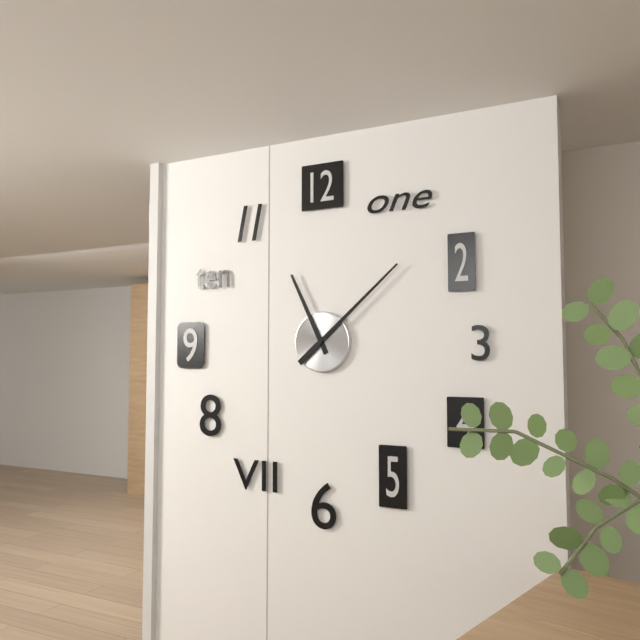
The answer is 11:08
